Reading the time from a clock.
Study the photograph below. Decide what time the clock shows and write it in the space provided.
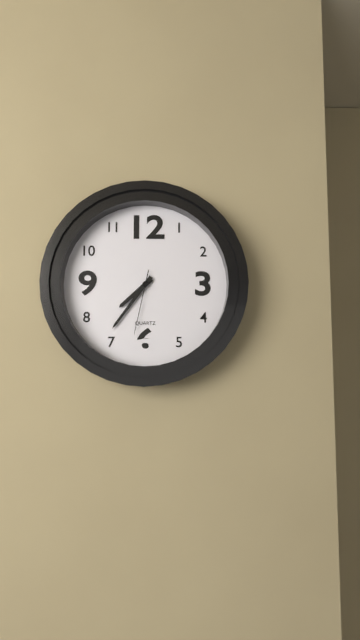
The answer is 7:36:32
